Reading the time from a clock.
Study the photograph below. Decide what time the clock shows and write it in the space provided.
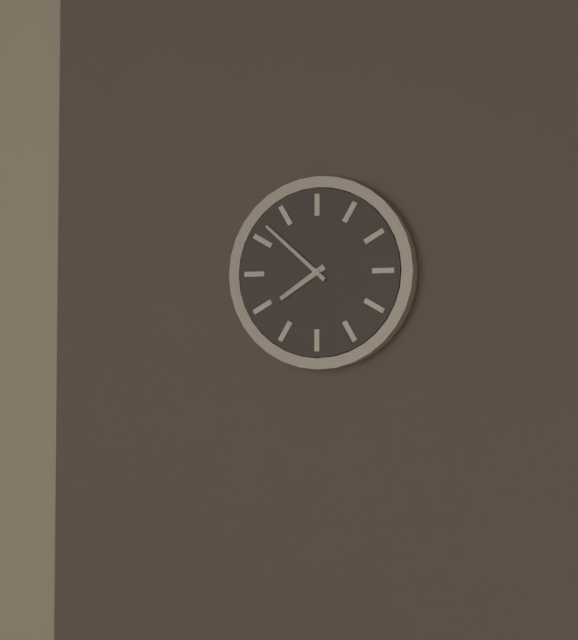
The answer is 7:52
